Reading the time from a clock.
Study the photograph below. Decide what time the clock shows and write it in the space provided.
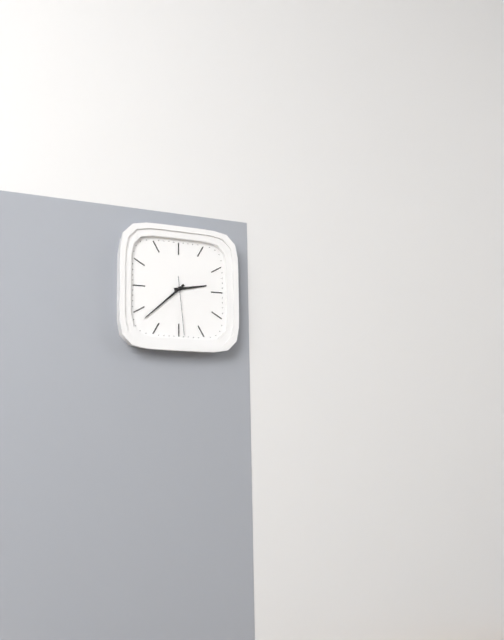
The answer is 2:38:29
